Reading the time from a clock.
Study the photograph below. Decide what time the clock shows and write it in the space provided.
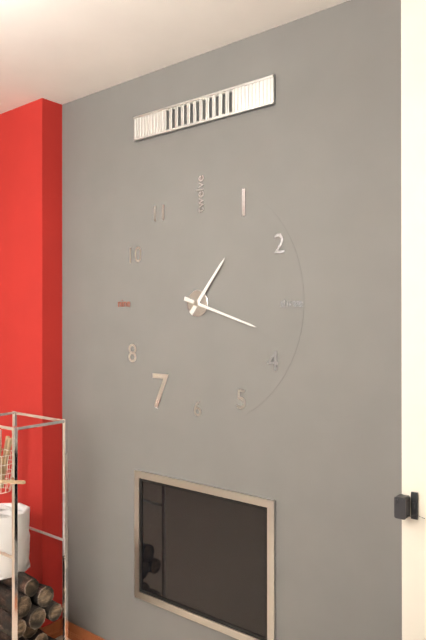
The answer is 1:18
